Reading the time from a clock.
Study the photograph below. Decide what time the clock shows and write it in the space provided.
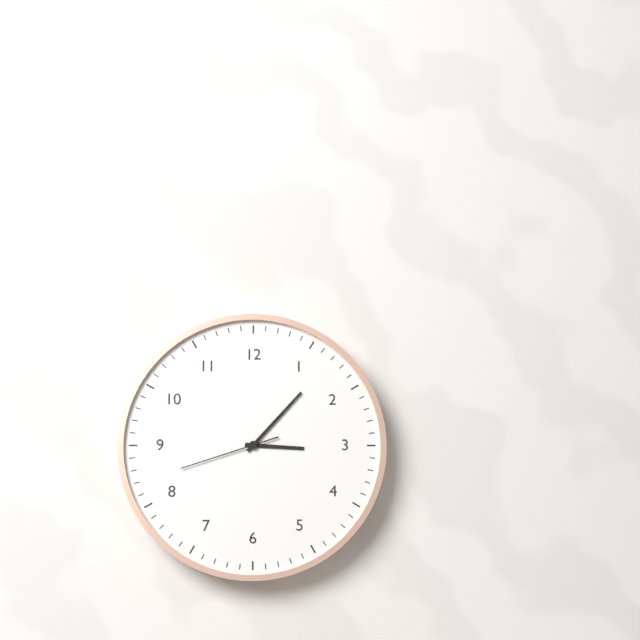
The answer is 3:07:42
